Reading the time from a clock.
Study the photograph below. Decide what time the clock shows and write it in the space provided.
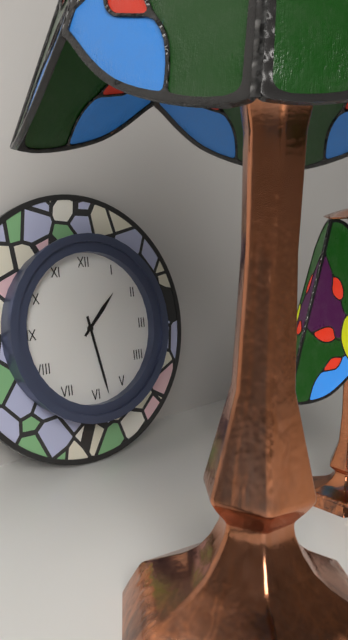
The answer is 1:28
